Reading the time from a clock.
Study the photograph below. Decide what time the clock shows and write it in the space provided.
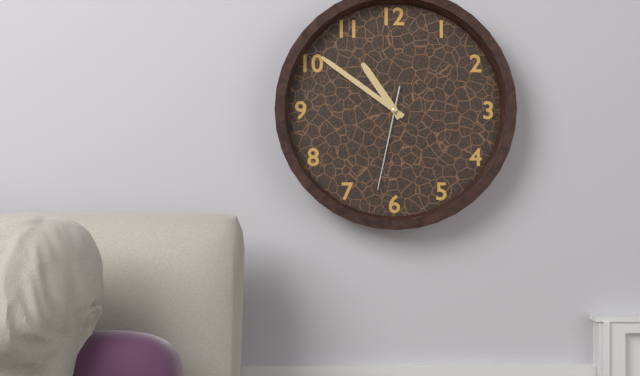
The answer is 10:51:32
